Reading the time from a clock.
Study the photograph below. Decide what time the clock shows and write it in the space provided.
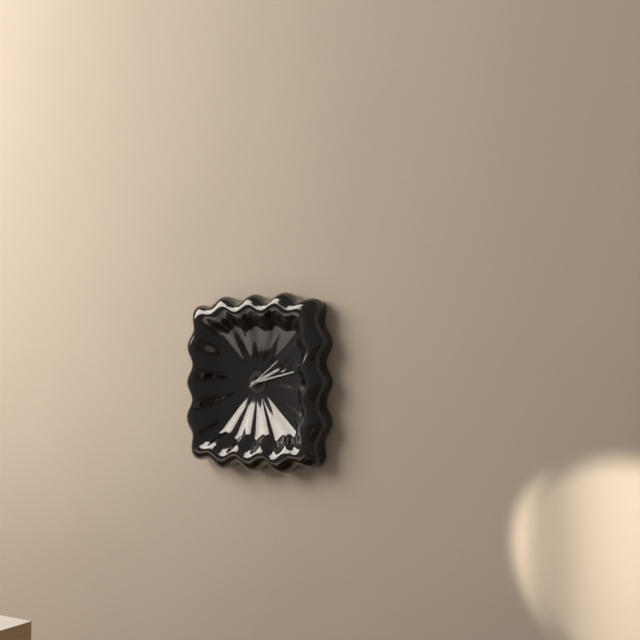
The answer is 2:13
